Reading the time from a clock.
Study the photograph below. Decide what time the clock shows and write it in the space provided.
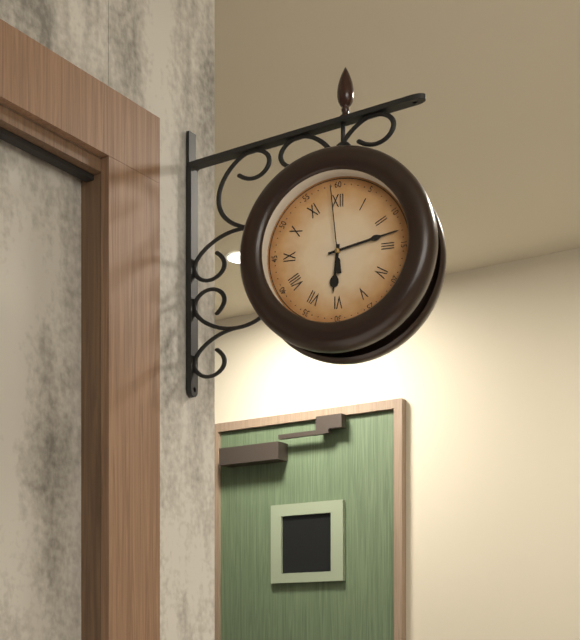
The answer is 6:13:59
